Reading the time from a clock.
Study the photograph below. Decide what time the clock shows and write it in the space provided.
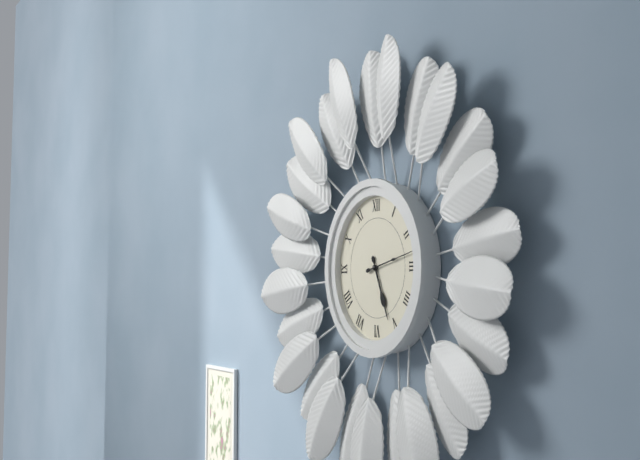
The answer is 5:13
